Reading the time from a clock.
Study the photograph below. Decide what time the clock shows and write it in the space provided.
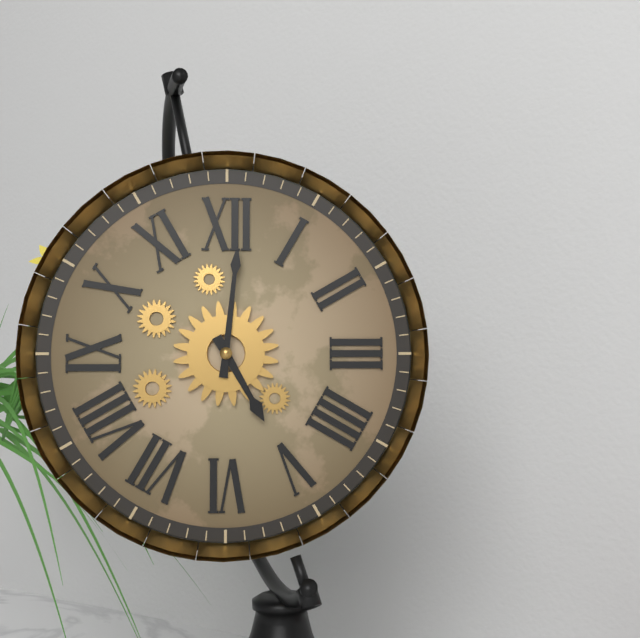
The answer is 5:01
